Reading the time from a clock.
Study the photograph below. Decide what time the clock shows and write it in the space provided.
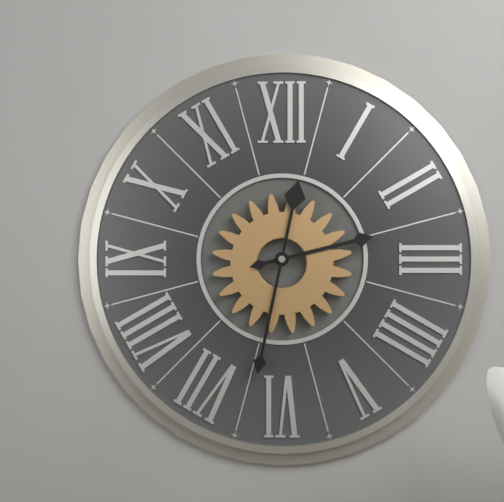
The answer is 2:32
